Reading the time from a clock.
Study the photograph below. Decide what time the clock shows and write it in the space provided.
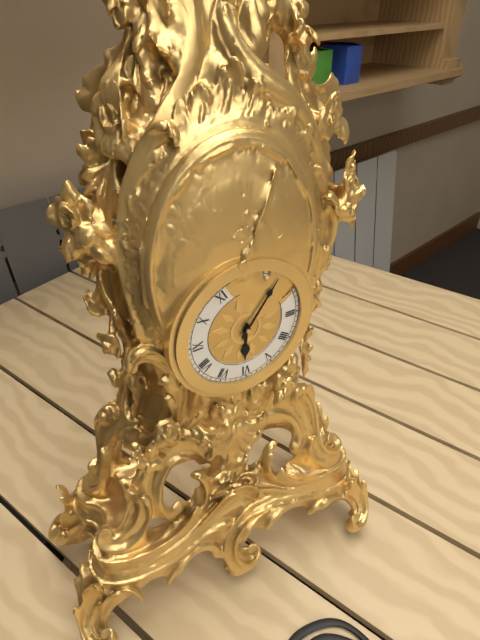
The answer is 6:06
